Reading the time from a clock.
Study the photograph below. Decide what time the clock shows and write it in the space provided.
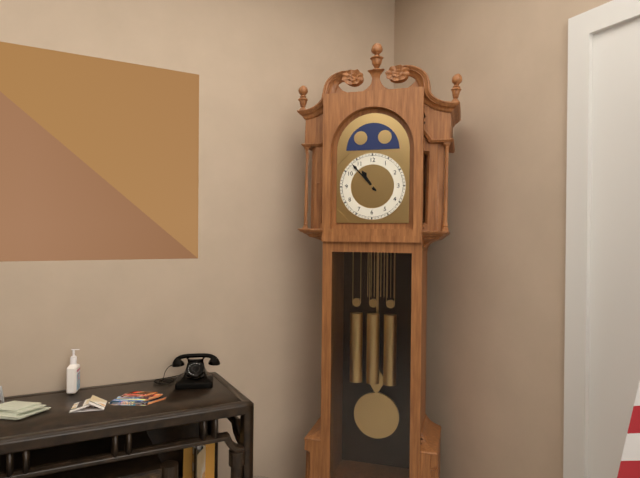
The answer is 10:53
